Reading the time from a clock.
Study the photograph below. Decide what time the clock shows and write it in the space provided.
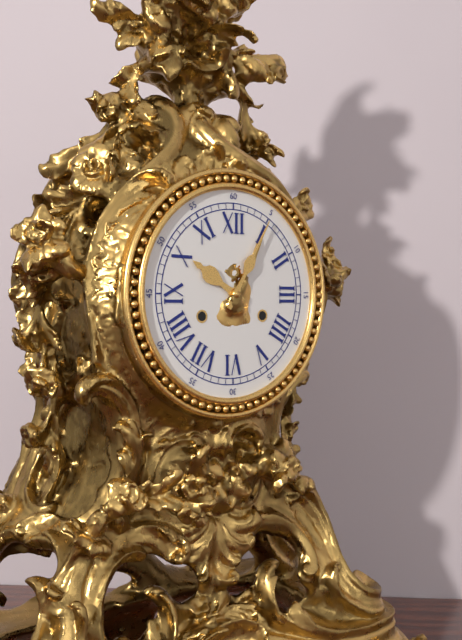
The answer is 10:05
